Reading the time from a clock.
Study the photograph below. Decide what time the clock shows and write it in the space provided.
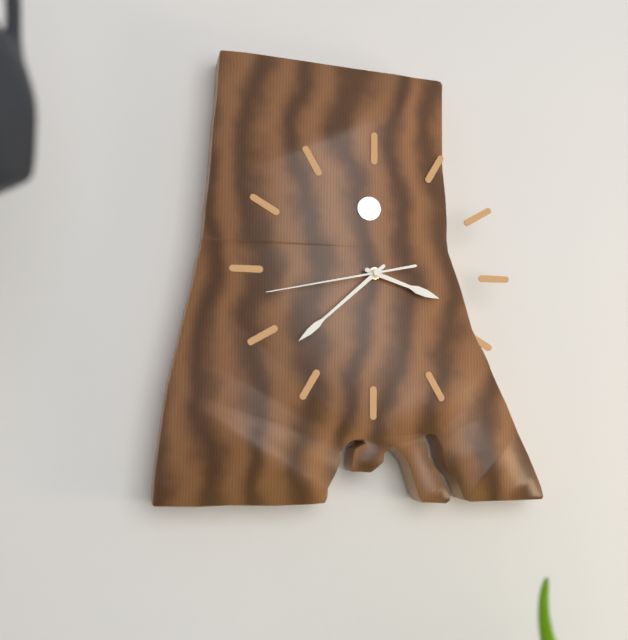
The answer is 3:38:43
